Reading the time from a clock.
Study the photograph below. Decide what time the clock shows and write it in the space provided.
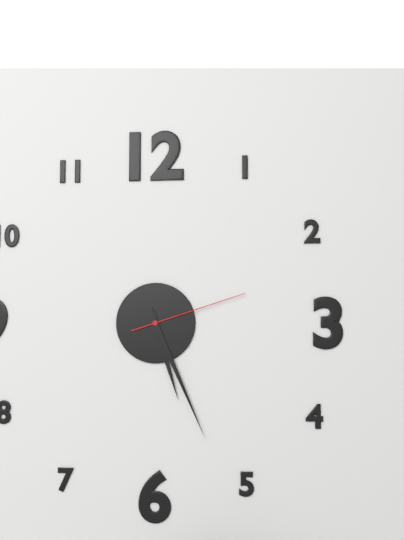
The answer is 5:26:12
